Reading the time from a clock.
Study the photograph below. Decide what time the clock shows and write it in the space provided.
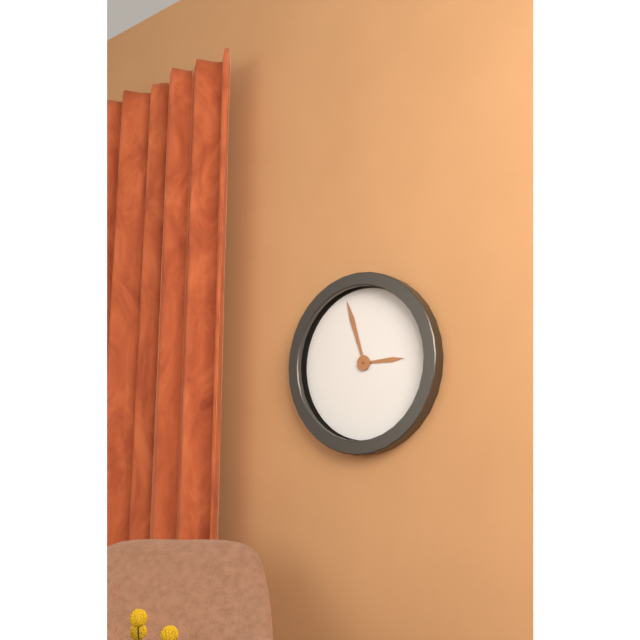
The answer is 2:57
